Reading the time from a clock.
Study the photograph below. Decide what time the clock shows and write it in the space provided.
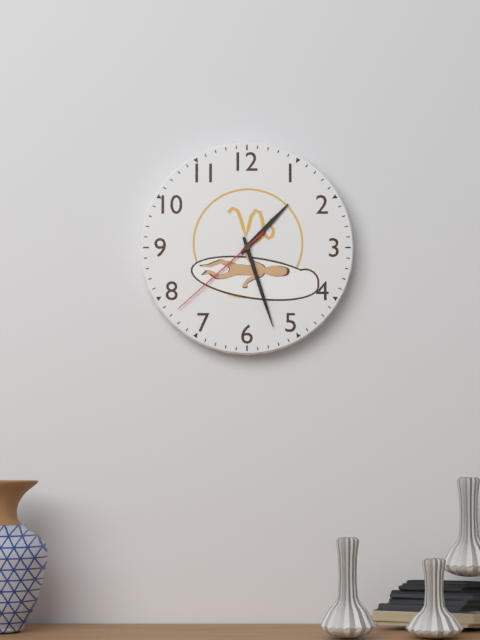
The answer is 1:27:38
